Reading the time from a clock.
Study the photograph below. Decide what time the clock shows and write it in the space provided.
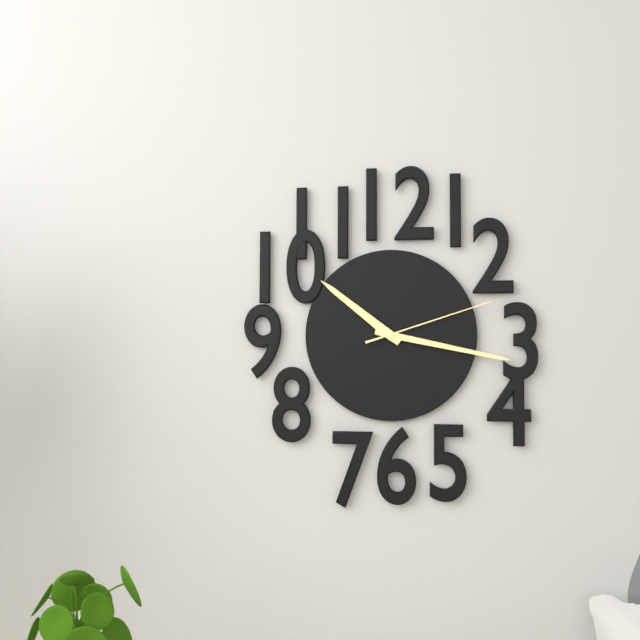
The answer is 10:17:12
